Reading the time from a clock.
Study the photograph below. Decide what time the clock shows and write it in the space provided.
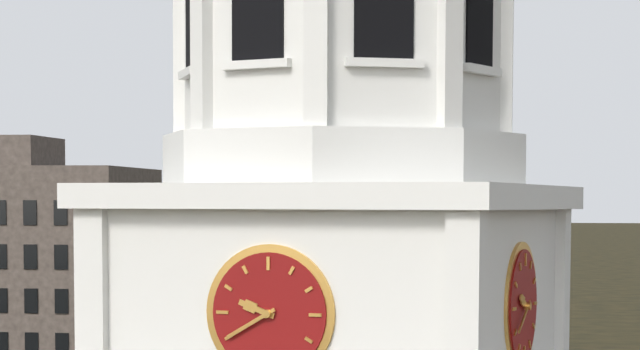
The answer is 9:40
